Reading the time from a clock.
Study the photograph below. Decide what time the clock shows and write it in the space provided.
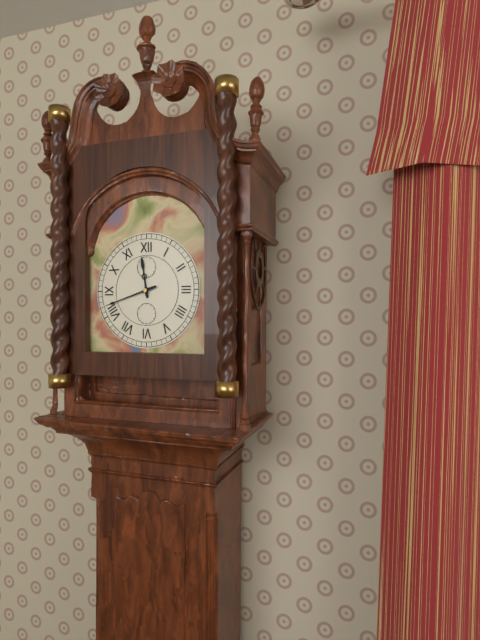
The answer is 11:42
